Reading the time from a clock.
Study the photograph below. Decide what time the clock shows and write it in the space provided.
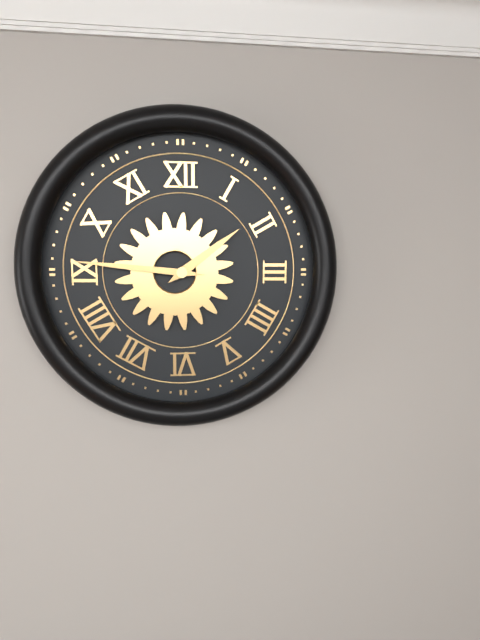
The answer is 1:46
